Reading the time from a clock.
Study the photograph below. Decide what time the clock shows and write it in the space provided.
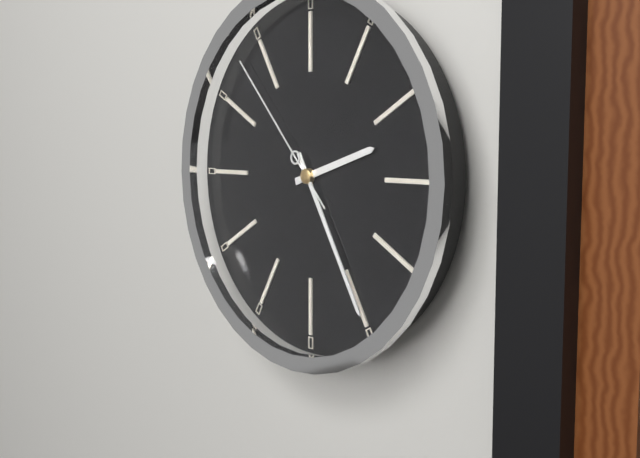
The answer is 2:25:53
